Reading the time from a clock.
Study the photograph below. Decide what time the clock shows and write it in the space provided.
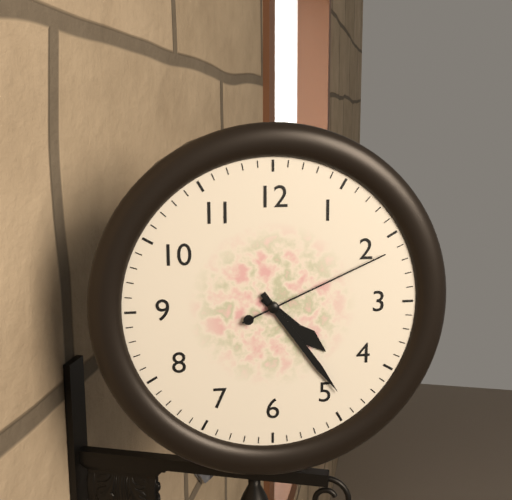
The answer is 4:24:11
